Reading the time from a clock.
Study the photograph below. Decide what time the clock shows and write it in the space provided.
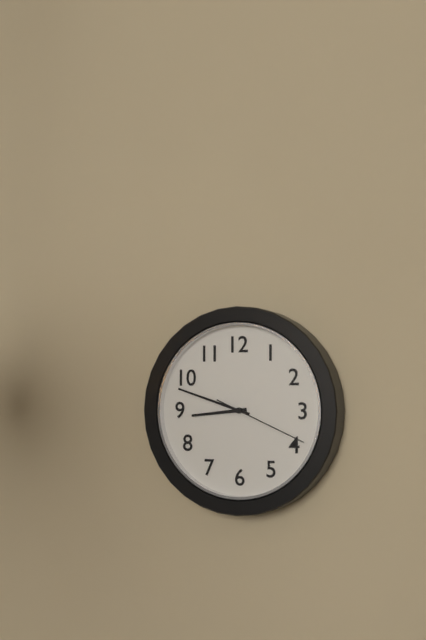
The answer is 8:48:19
